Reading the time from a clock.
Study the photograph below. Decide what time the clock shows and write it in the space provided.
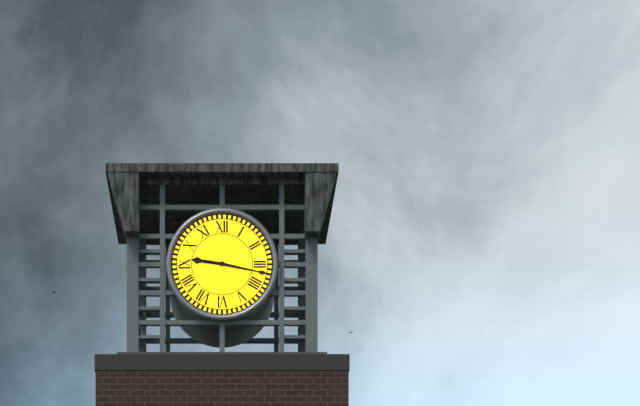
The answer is 9:17
